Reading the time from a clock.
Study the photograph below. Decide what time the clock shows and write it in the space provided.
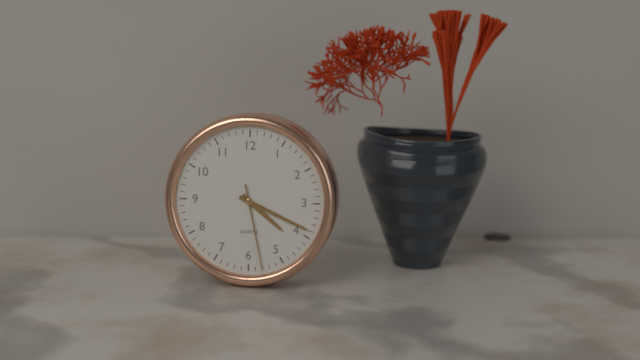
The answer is 4:19:28
